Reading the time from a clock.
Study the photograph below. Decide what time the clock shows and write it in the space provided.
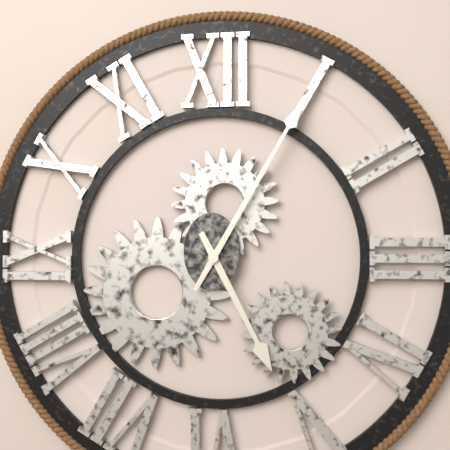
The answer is 5:05
